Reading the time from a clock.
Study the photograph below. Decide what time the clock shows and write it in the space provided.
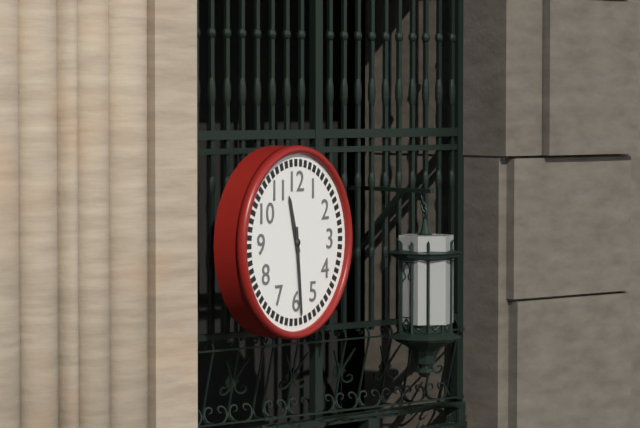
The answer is 11:29
